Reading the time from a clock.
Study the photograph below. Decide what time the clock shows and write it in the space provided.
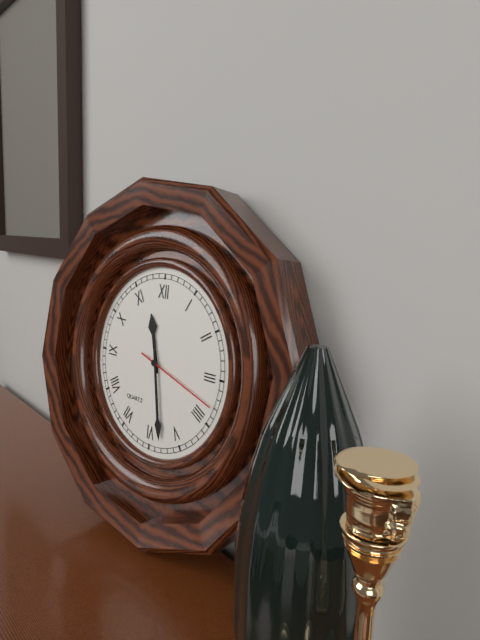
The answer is 11:28:18
